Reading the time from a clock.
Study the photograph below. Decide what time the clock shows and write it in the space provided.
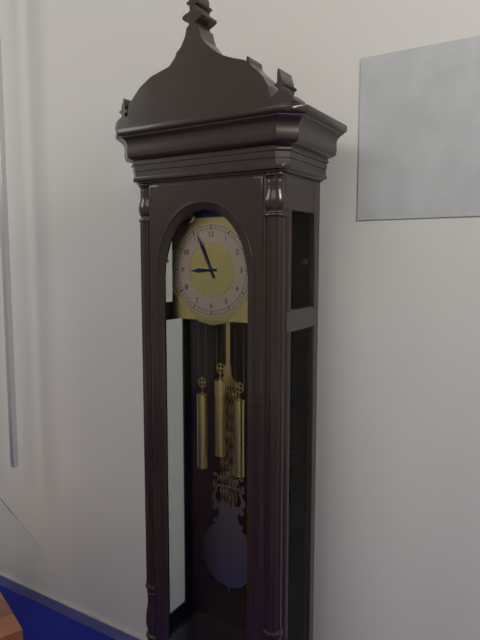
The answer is 8:56
